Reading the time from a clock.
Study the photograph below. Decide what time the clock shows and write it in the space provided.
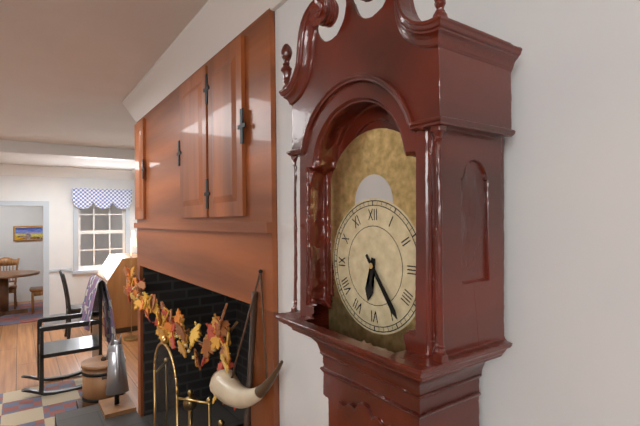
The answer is 6:24
